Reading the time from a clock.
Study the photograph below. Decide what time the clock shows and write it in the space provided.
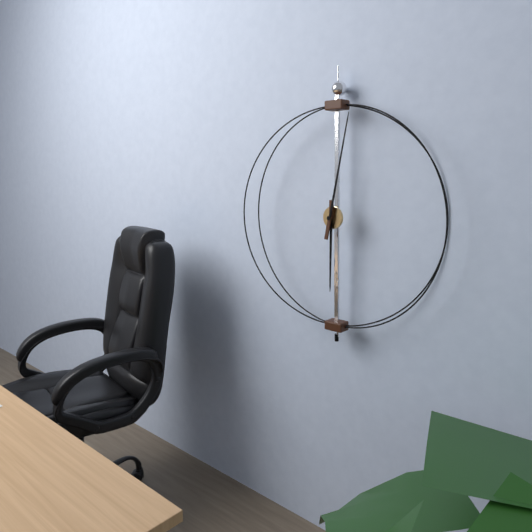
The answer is 6:02
